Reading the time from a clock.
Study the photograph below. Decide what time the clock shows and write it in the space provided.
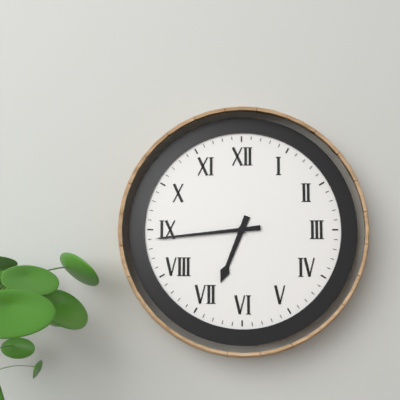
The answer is 6:44
